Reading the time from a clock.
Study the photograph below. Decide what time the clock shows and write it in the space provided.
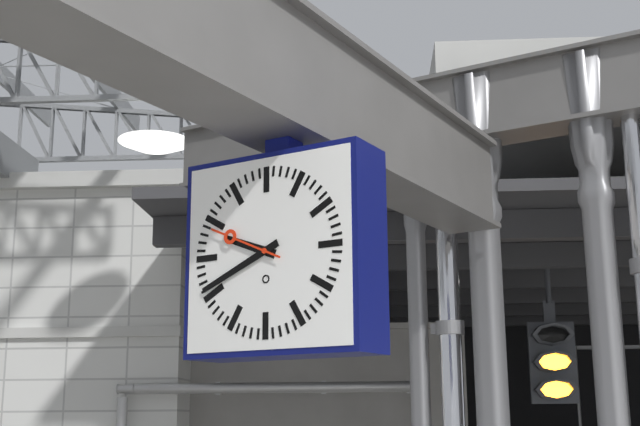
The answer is 9:41:49
